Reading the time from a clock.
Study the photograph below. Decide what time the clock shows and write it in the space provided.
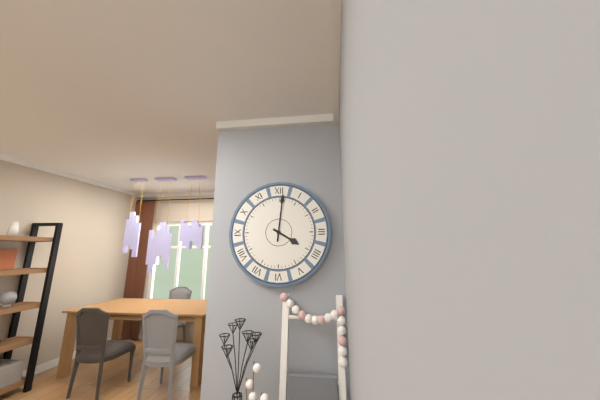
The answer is 4:01
